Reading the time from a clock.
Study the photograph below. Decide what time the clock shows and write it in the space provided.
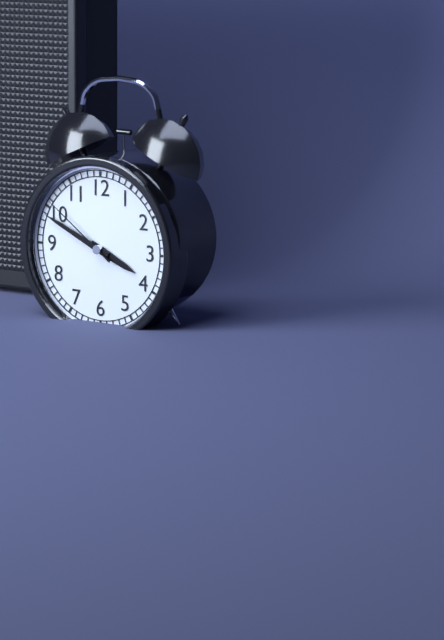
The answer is 3:49:51
